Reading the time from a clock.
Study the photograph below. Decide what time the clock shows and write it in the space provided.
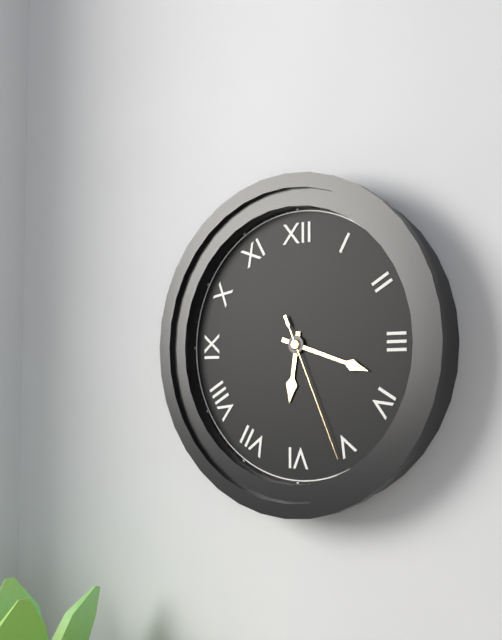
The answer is 6:18:26
